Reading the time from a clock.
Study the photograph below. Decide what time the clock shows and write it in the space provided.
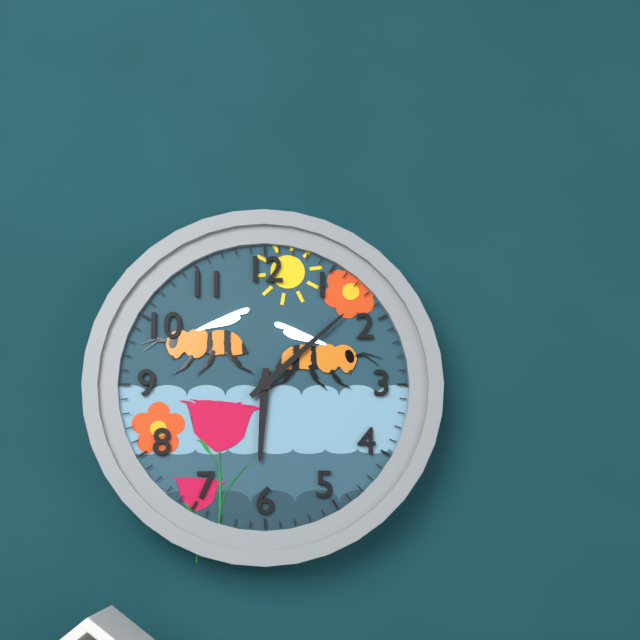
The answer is 6:08
